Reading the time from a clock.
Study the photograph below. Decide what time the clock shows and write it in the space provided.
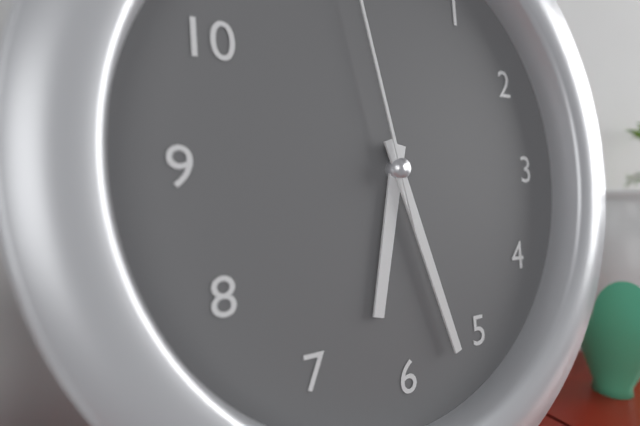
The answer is 6:27
